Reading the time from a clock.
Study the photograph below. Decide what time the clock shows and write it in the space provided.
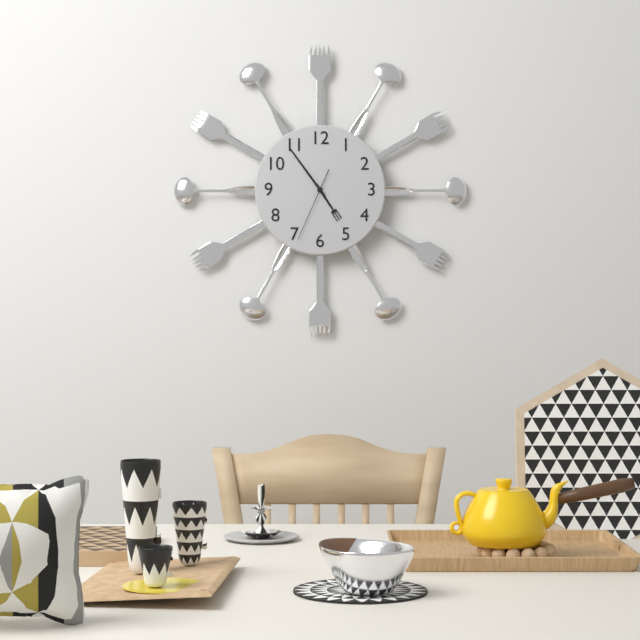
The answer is 4:54:34
